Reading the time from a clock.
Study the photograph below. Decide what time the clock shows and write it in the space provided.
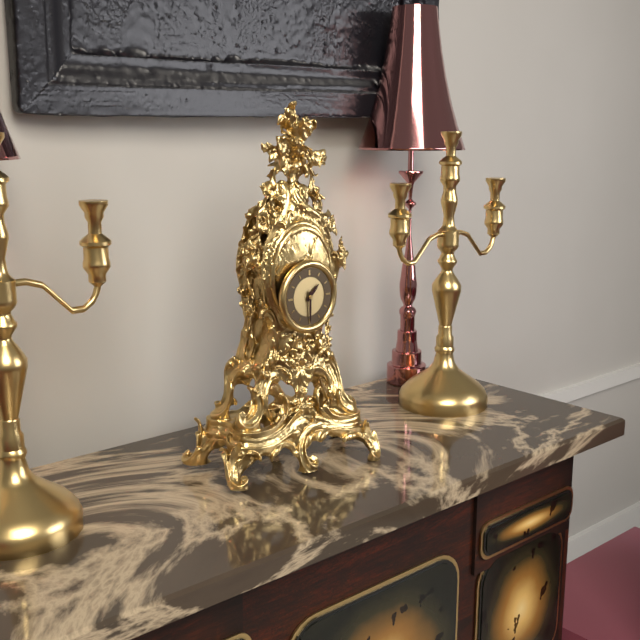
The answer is 1:30
